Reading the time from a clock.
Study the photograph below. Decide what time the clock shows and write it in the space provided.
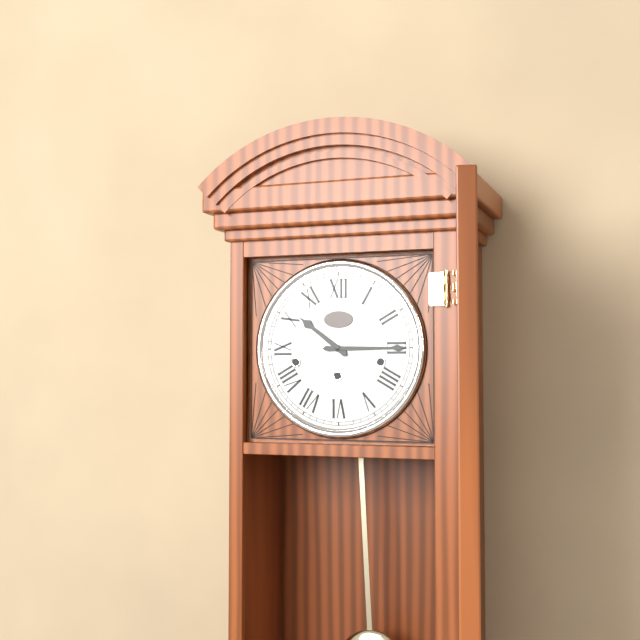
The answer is 10:15
